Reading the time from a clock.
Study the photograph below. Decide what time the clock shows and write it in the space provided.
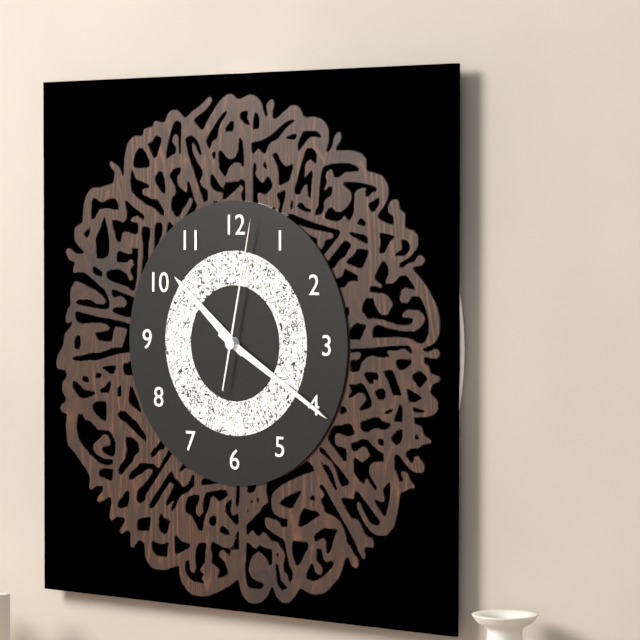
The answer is 10:20:02
